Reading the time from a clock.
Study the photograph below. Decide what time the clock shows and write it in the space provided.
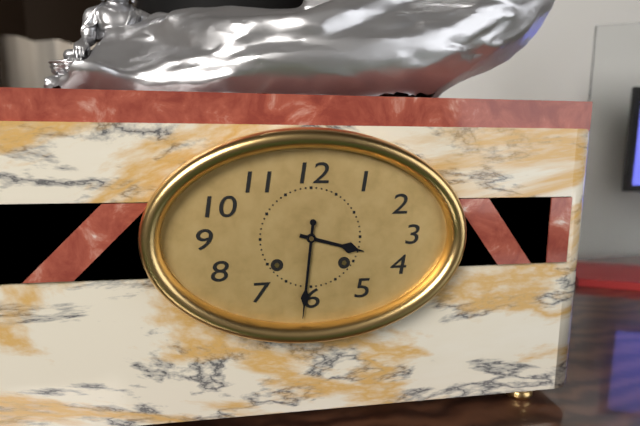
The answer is 3:31
